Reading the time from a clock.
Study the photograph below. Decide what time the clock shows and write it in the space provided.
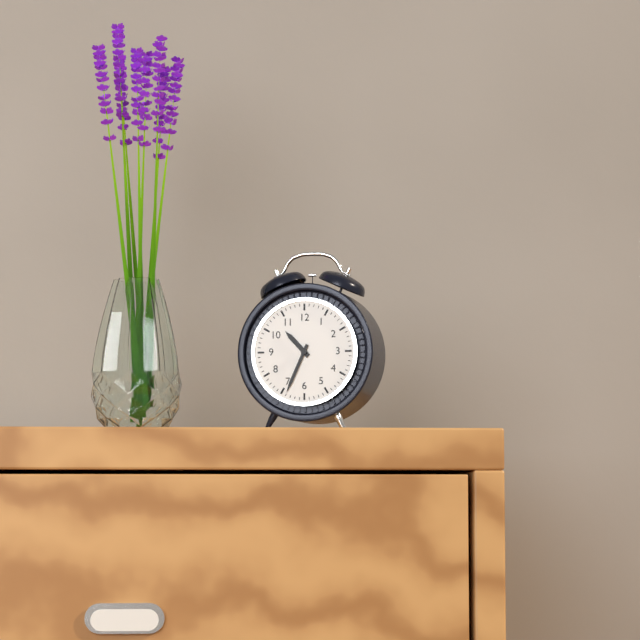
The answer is 10:34
